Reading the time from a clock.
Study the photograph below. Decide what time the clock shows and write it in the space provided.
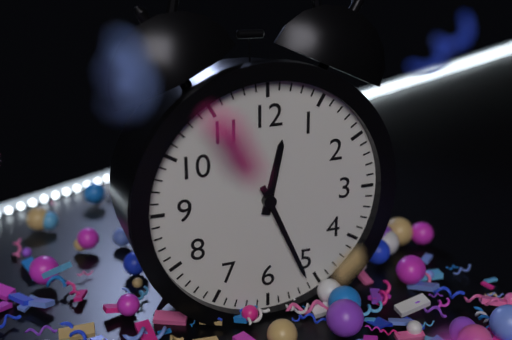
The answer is 12:26
